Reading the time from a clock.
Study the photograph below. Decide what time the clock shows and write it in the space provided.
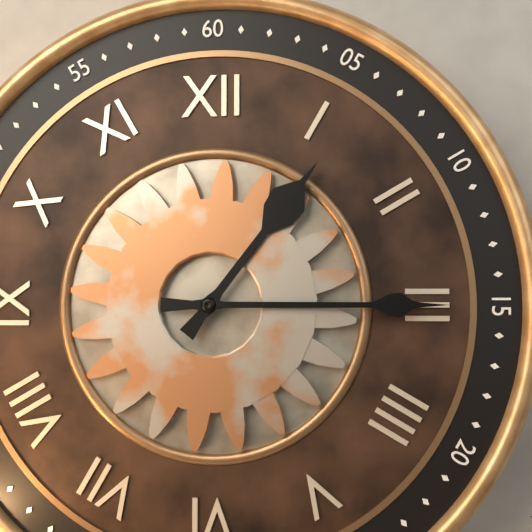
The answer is 1:15
